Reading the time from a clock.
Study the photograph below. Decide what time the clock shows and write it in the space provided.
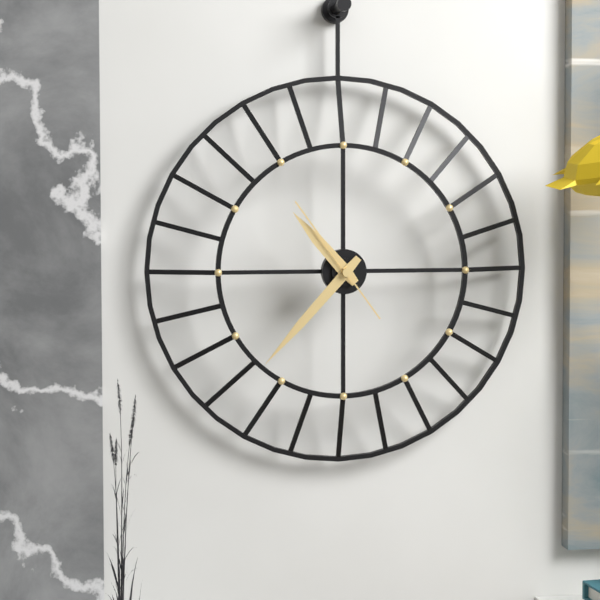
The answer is 10:37:54
